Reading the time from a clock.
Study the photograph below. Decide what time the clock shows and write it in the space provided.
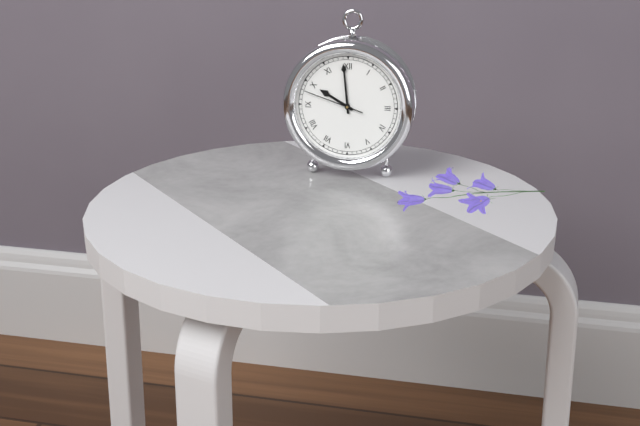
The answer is 9:59:48
